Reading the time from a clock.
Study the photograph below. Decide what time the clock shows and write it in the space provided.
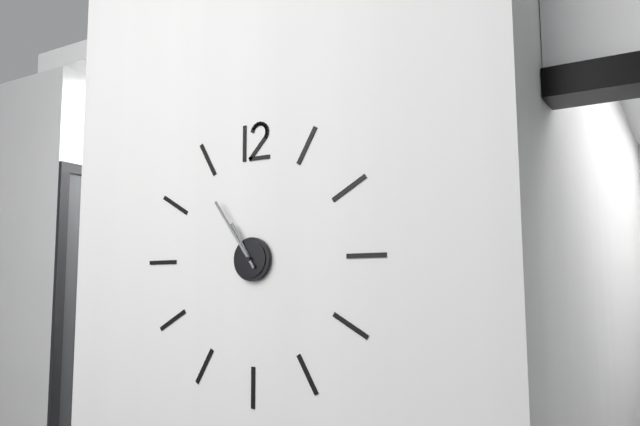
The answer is 10:54
